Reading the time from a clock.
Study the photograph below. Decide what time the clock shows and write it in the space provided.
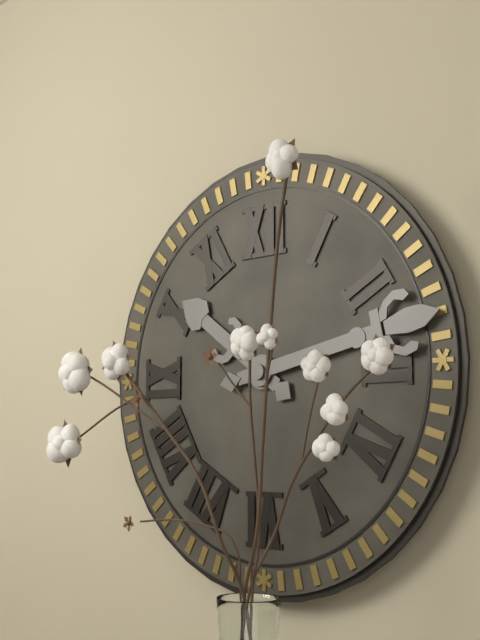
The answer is 10:13
